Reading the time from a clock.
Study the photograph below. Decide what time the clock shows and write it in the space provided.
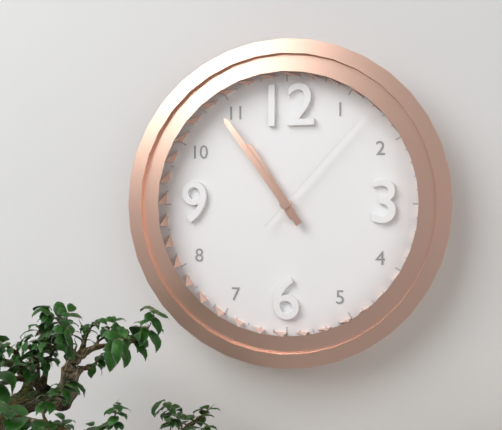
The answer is 10:54:07
